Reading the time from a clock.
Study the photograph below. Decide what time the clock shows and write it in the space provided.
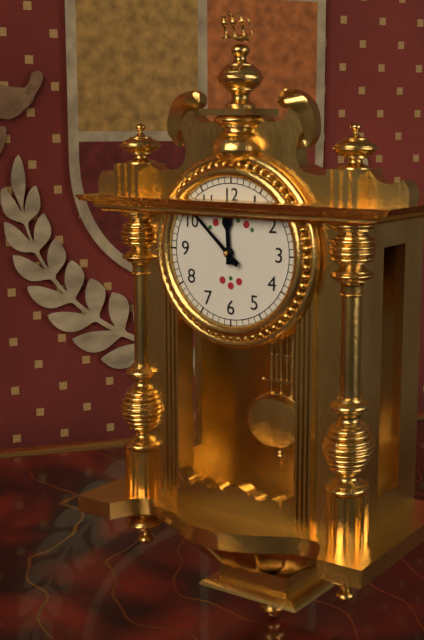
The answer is 11:52
